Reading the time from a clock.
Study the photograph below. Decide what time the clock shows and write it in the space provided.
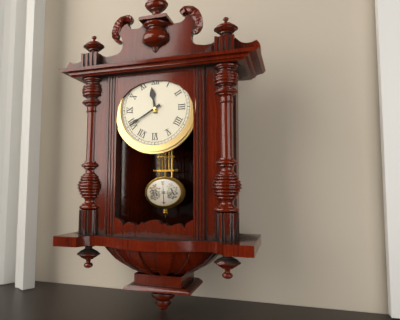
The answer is 11:40
